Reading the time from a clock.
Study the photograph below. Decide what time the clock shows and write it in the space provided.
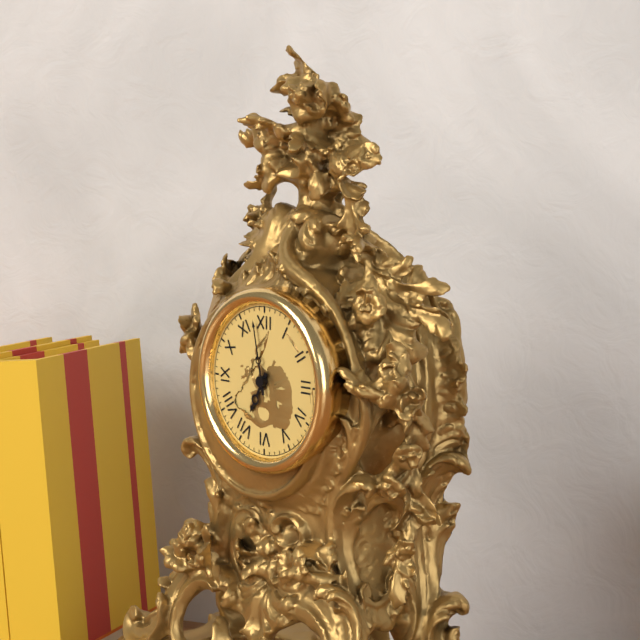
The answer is 6:58
